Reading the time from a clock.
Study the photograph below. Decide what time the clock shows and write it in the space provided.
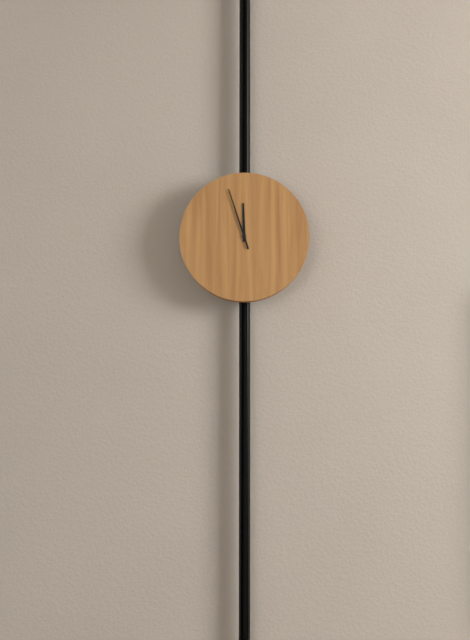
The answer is 11:57
